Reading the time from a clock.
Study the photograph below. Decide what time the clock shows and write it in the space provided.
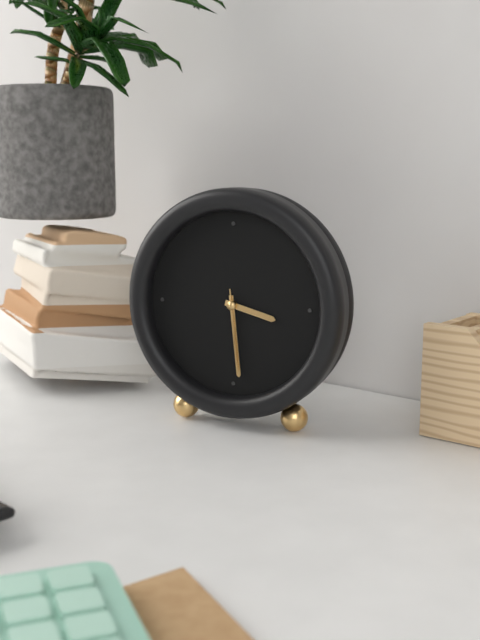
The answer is 3:29:29
